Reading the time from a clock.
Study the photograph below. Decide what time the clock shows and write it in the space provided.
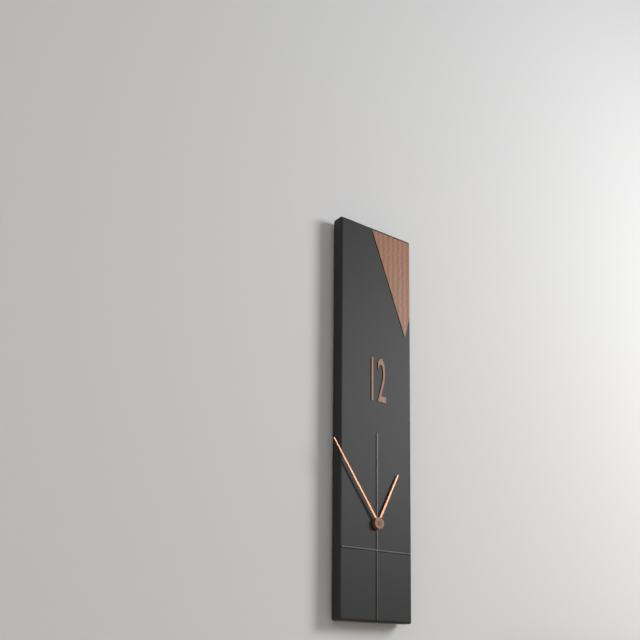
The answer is 12:54
